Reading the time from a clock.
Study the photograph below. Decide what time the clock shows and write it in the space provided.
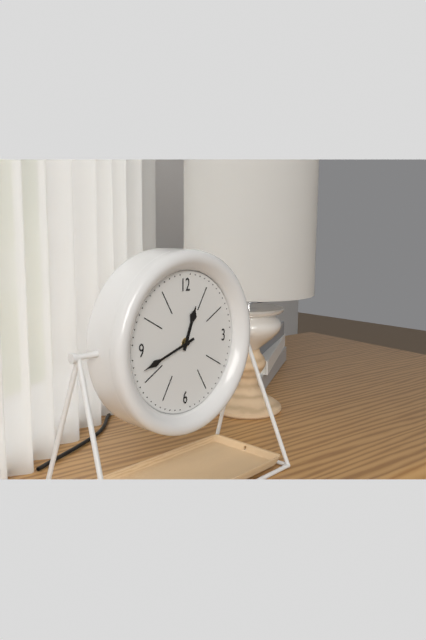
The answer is 12:42
